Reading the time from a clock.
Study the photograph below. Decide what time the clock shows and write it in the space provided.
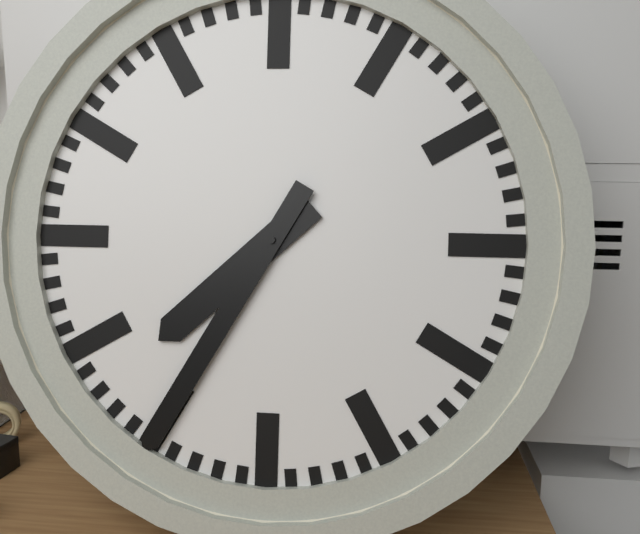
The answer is 7:35
